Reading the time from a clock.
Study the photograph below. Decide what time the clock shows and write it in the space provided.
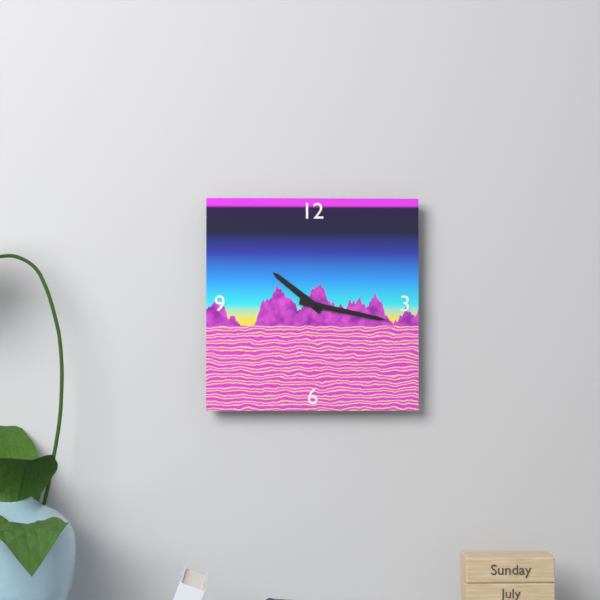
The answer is 10:17
